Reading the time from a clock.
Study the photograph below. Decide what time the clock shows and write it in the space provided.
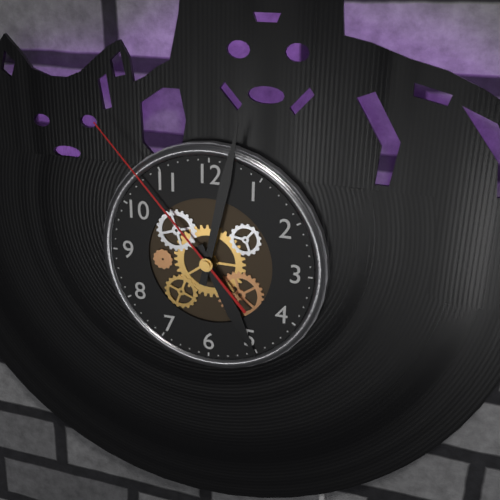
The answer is 5:02:53
